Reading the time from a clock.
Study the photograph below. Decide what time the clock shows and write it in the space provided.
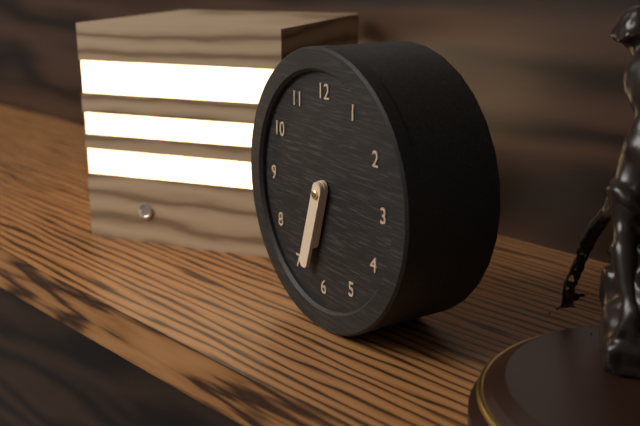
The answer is 6:33
